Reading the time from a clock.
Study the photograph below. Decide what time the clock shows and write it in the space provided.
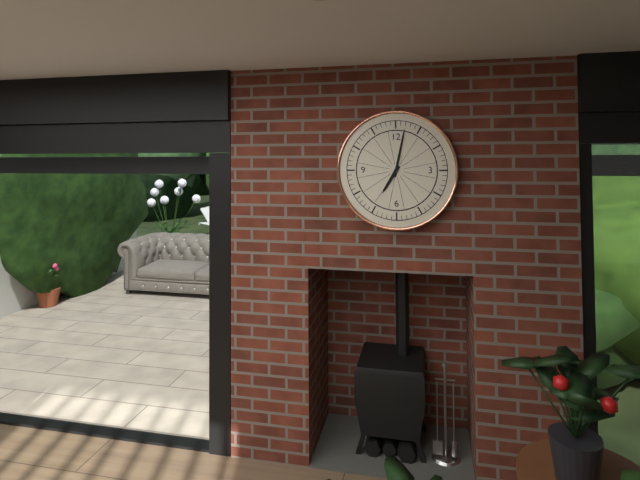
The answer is 7:02
